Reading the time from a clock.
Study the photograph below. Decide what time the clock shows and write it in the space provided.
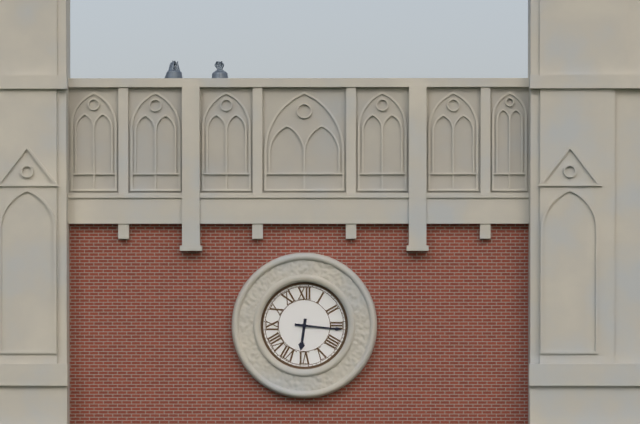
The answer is 6:16
